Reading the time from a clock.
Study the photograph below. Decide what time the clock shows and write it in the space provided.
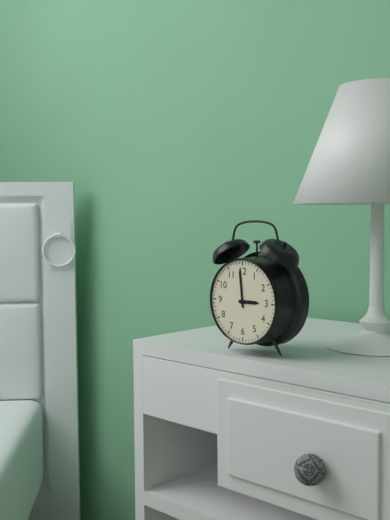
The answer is 2:59
